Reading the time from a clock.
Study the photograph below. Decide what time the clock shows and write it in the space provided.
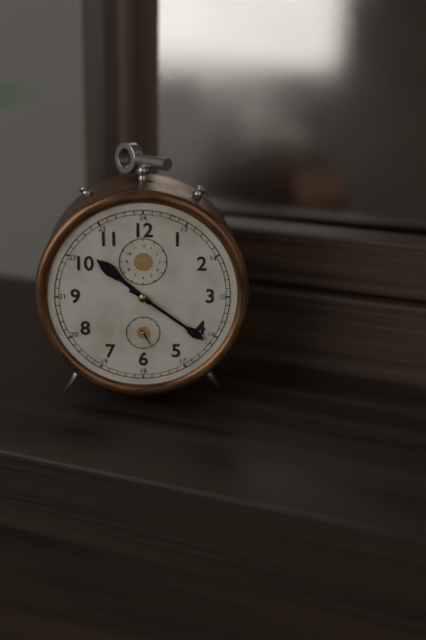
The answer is 10:21
